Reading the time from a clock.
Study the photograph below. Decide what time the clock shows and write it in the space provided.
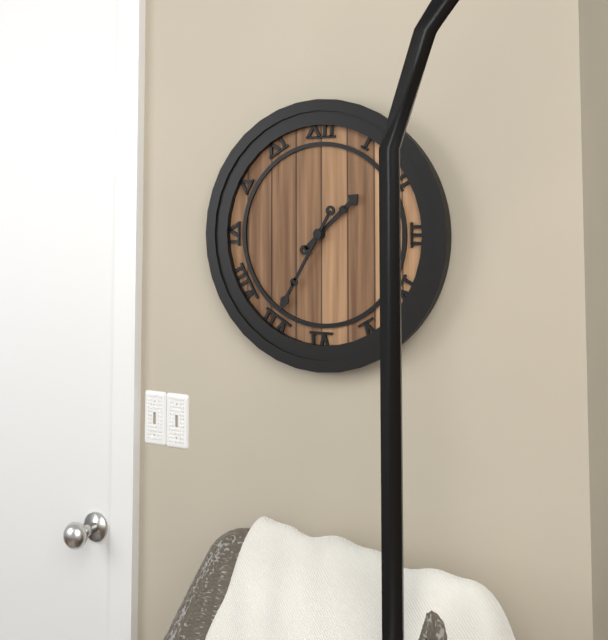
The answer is 1:35
